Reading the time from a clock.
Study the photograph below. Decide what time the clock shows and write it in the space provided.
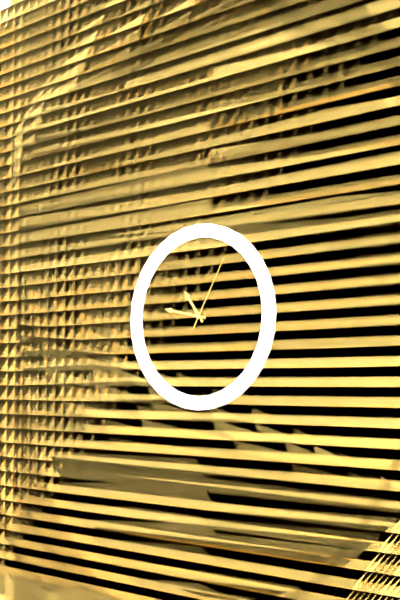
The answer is 10:47:05
